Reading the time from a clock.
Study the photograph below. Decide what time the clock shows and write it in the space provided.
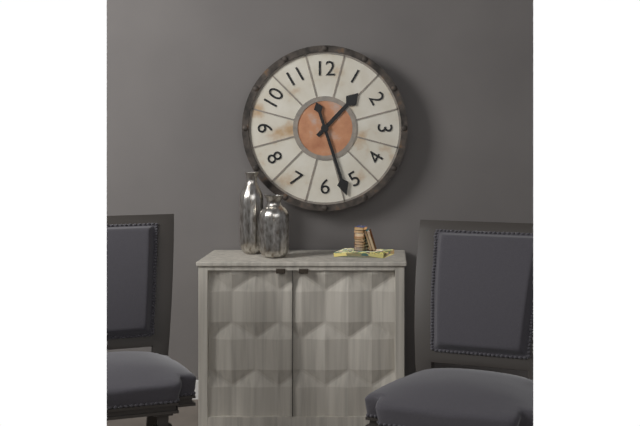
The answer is 1:27
